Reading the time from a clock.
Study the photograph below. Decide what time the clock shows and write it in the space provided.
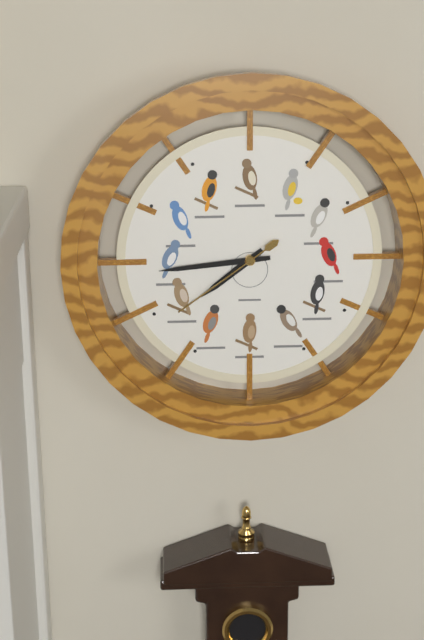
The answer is 7:44:39
